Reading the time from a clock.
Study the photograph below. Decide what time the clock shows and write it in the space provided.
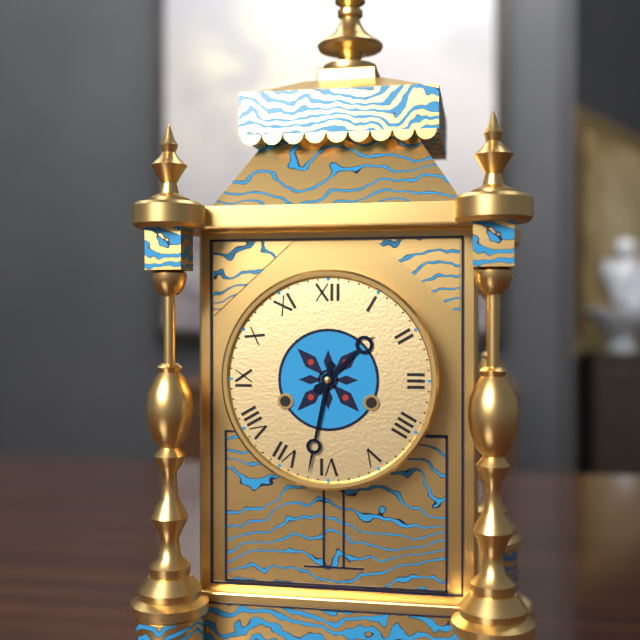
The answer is 1:32
